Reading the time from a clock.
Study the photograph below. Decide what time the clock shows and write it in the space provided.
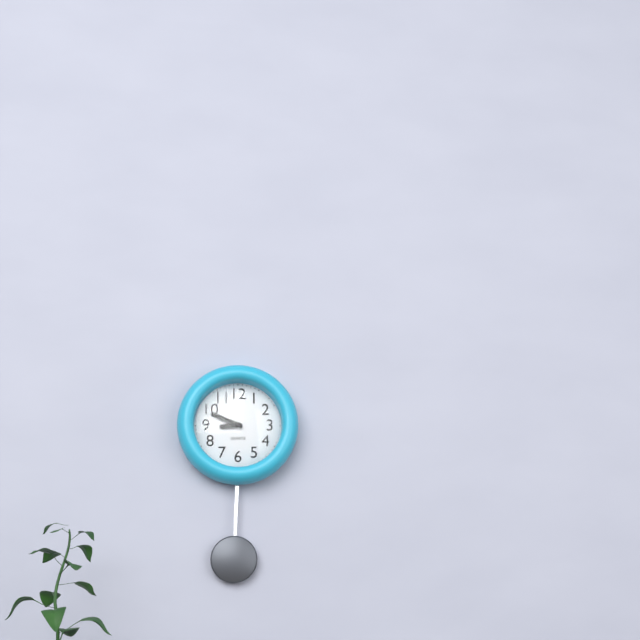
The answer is 8:49
